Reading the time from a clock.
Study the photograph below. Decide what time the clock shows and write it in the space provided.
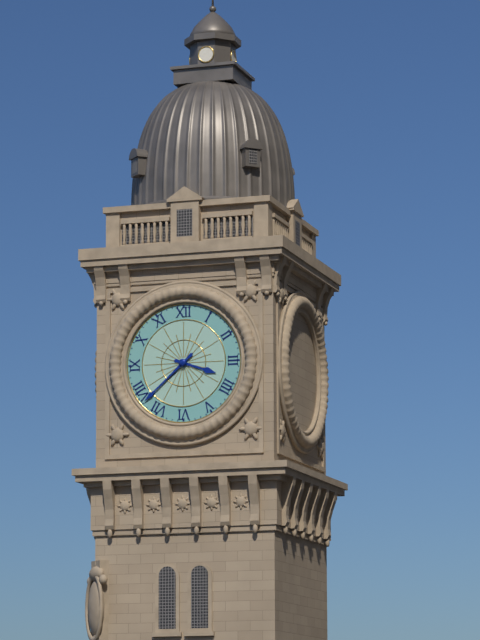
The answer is 3:38
